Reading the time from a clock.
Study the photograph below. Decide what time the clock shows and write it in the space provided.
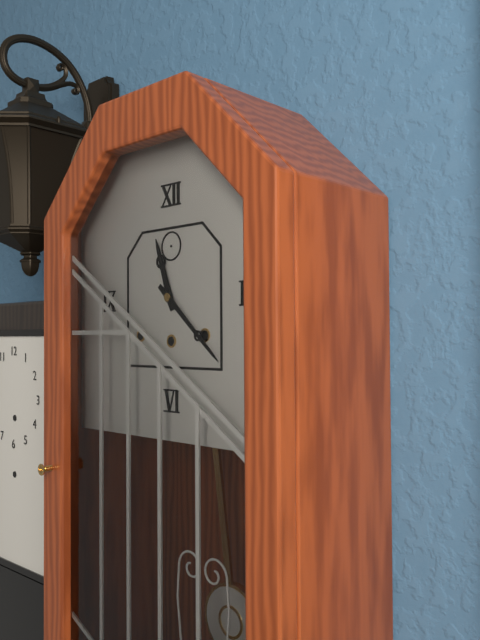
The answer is 11:22
